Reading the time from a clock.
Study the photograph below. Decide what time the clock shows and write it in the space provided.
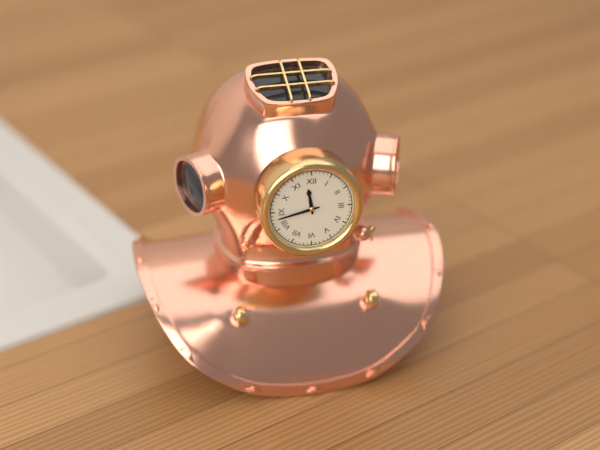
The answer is 11:43
